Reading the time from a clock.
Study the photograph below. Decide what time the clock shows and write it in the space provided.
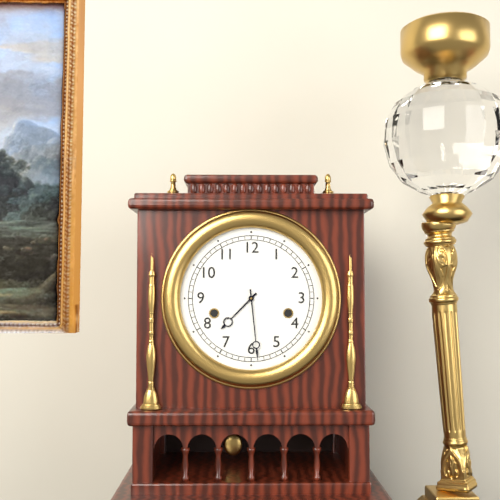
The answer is 7:29
